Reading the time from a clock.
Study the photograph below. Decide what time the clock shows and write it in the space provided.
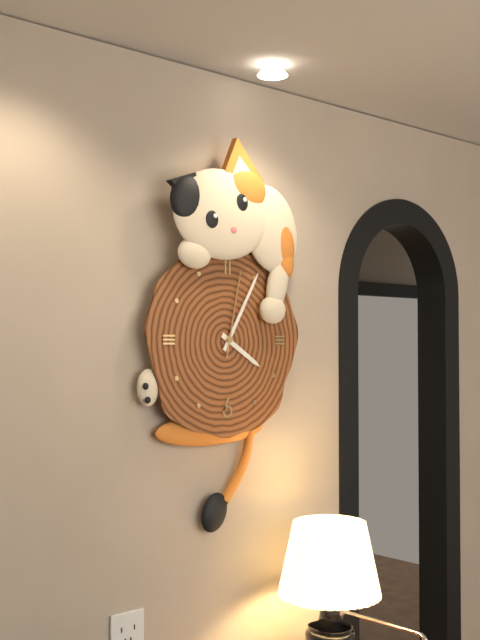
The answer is 4:05:02
